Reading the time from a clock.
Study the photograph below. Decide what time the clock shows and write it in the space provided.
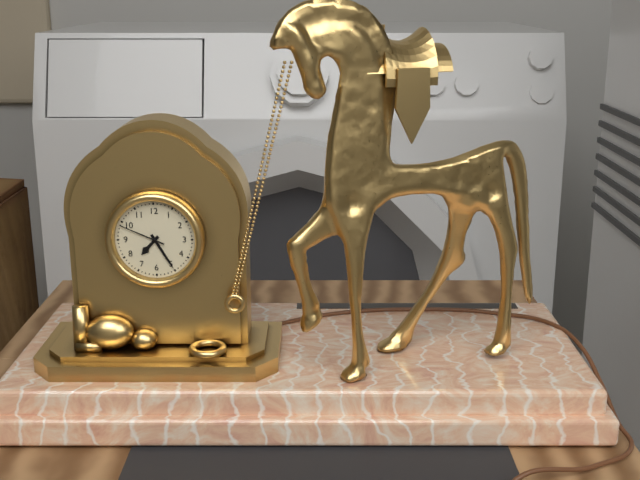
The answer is 7:25
